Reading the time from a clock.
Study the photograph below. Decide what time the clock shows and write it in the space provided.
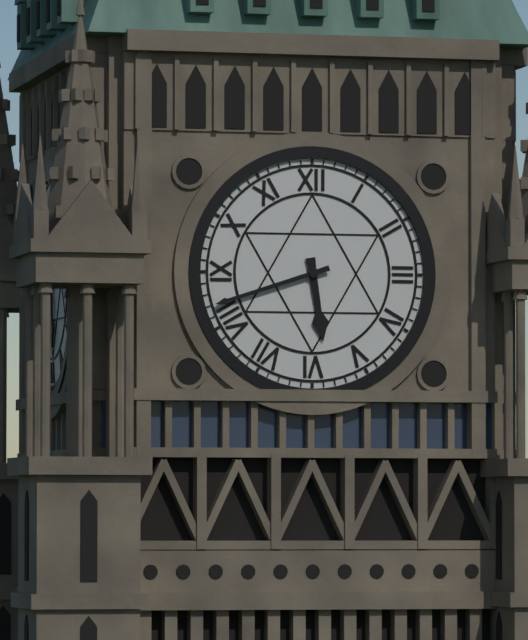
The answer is 5:42
